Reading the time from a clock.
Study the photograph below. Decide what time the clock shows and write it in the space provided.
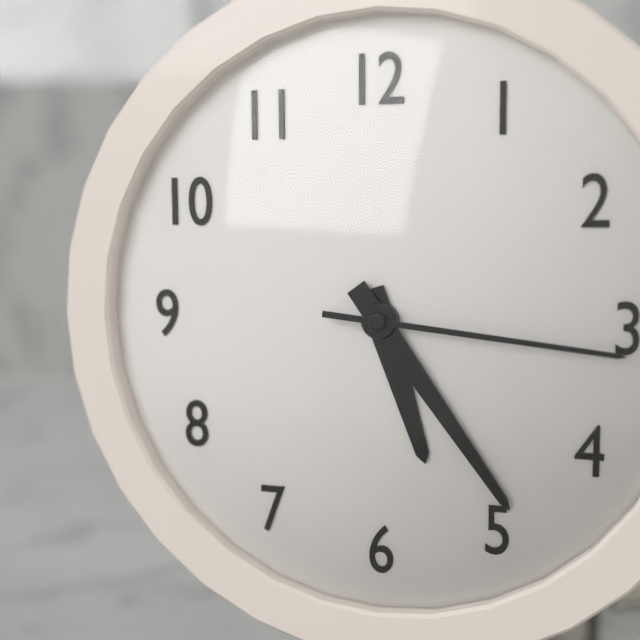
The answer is 5:24:16
